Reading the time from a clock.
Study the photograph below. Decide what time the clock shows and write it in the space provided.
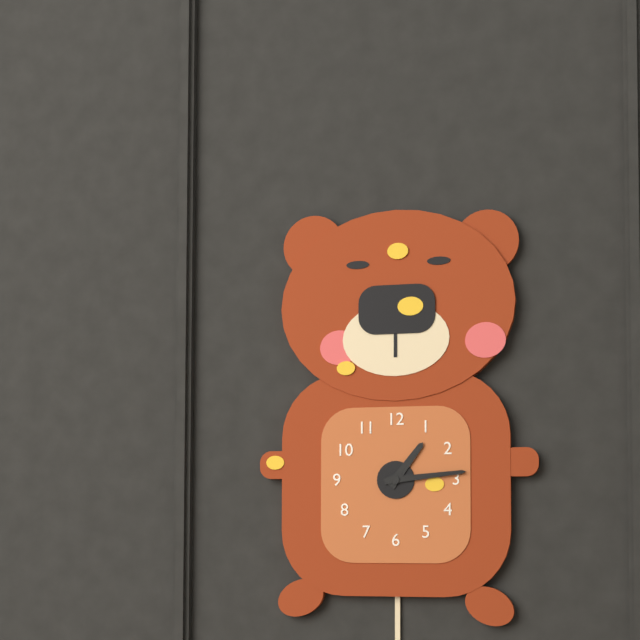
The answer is 1:14
